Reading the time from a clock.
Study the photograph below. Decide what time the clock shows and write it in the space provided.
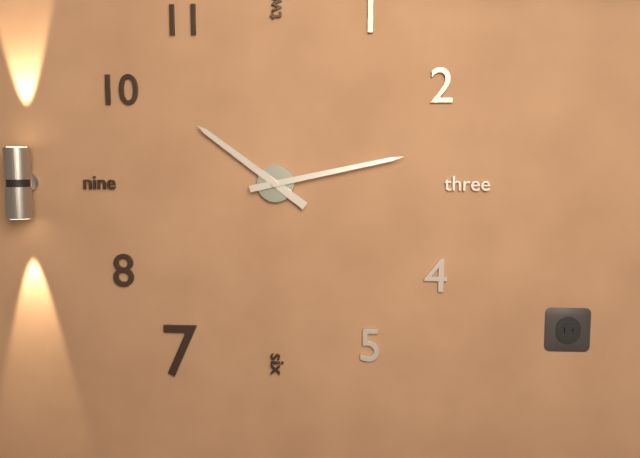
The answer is 10:13
